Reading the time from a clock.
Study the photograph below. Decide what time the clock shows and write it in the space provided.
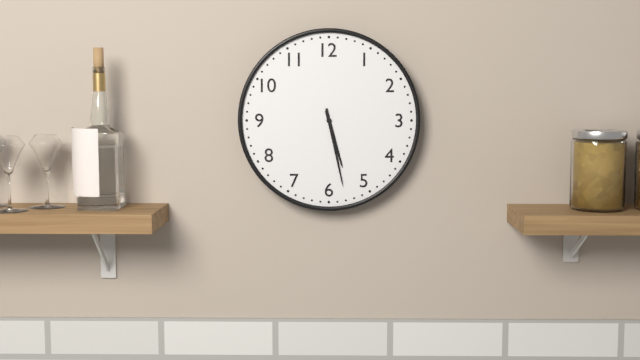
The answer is 5:28
